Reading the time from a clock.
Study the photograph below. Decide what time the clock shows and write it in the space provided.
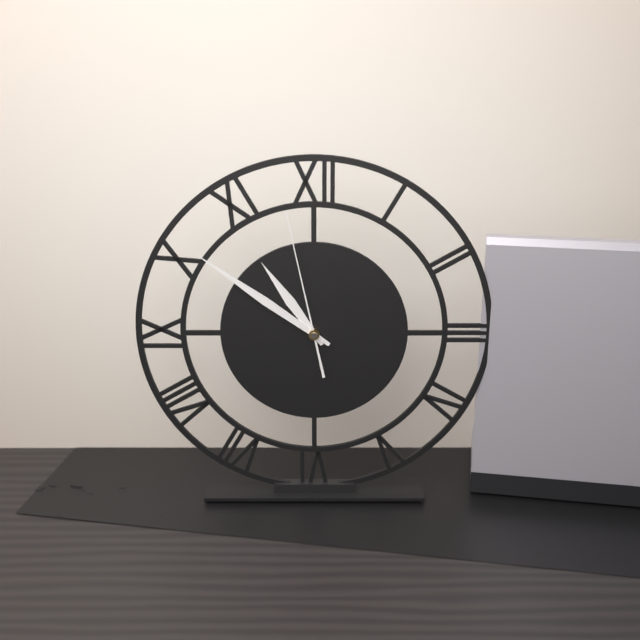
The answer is 10:51:58
